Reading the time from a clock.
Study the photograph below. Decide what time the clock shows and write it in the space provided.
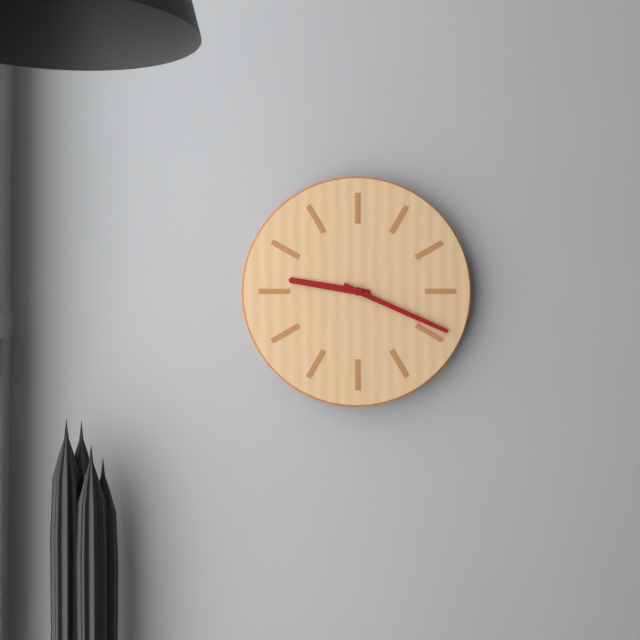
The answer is 9:19
